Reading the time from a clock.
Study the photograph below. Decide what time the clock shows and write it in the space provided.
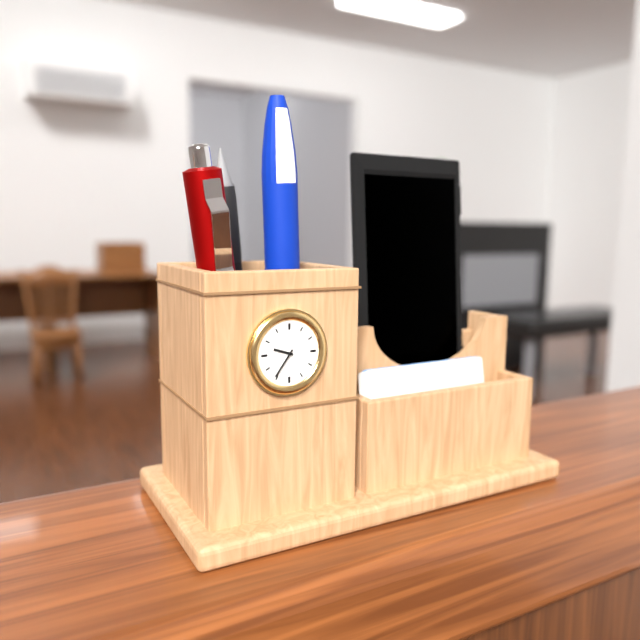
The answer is 9:36
